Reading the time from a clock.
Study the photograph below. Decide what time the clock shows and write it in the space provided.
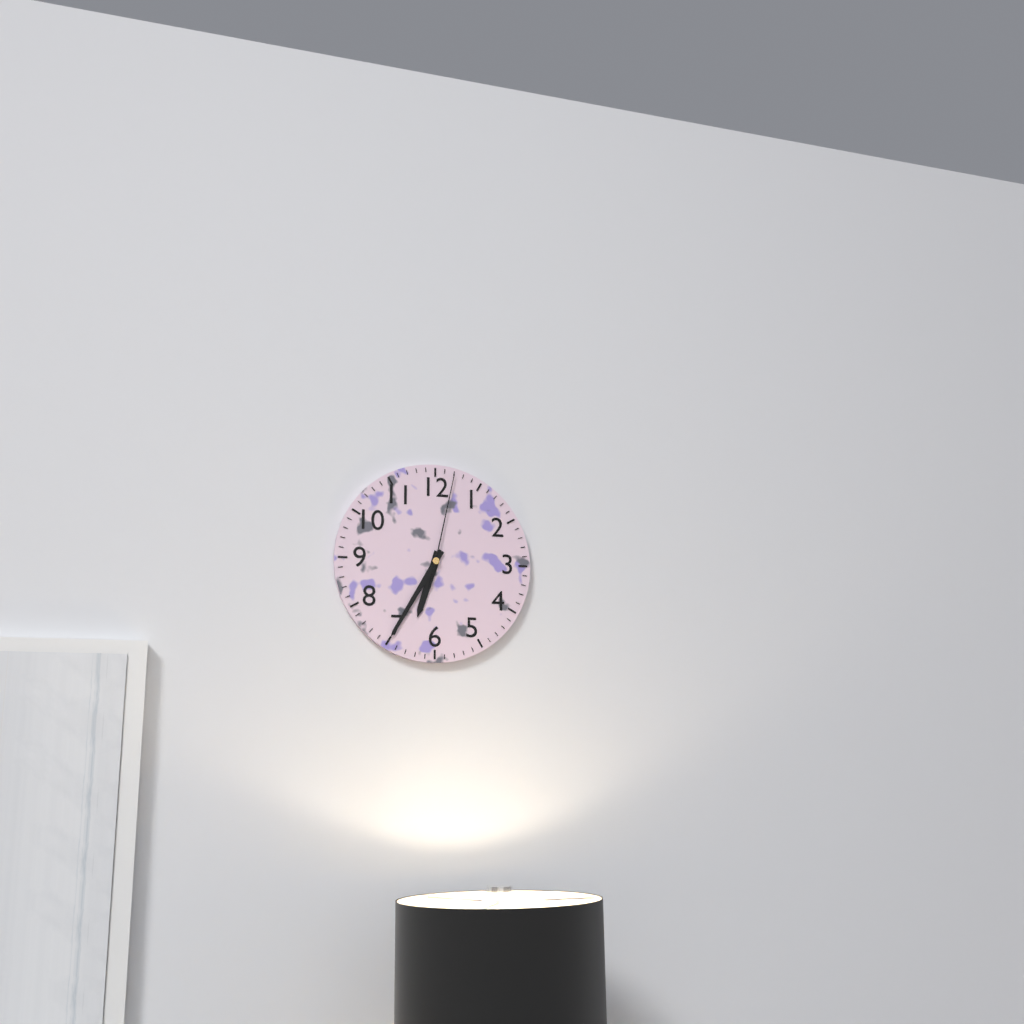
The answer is 6:35:02
